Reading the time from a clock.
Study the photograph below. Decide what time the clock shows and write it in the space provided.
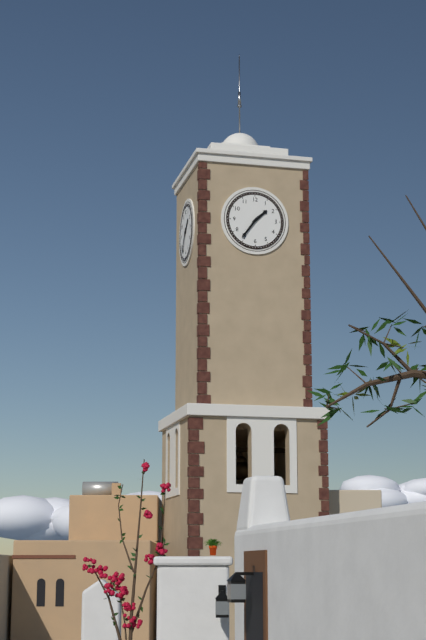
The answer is 1:36
